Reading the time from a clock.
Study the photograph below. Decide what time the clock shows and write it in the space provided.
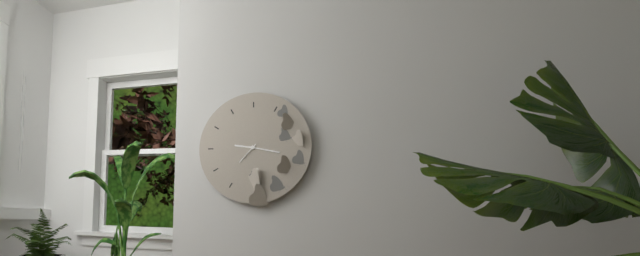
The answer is 9:17
